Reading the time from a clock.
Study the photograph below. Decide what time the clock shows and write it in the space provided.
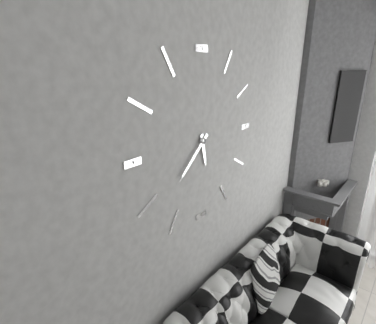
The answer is 5:38
